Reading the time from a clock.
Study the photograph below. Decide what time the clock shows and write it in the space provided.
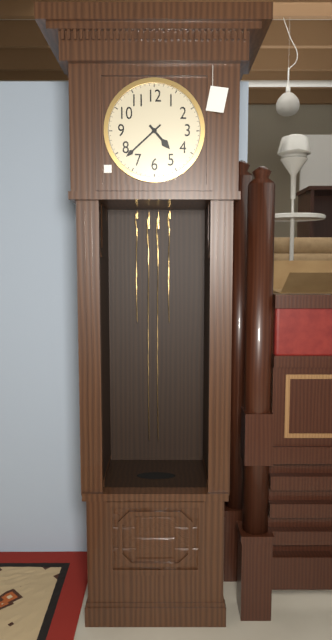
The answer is 4:38
